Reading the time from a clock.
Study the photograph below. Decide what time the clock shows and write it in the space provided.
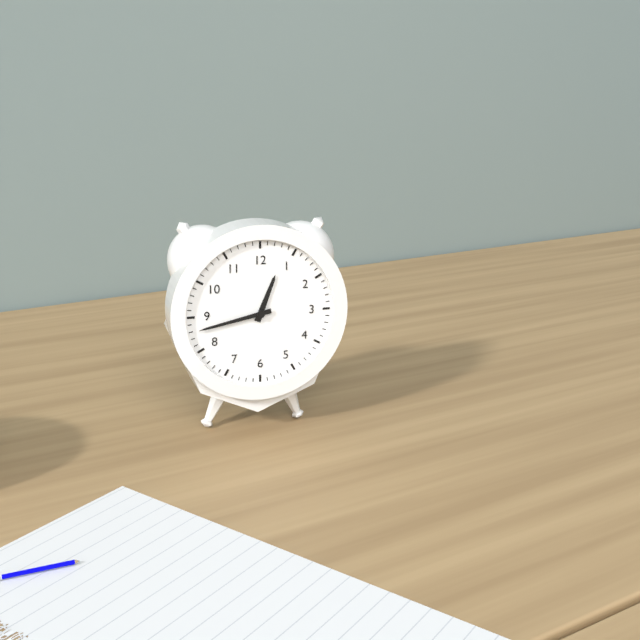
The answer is 12:43
